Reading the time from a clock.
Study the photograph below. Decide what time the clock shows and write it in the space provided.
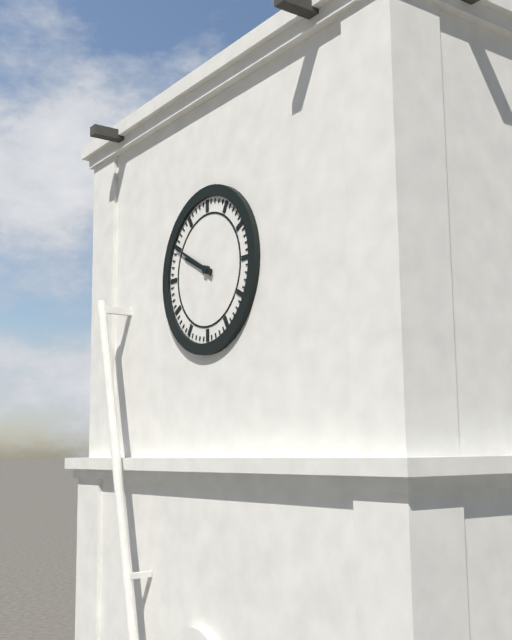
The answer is 9:50
